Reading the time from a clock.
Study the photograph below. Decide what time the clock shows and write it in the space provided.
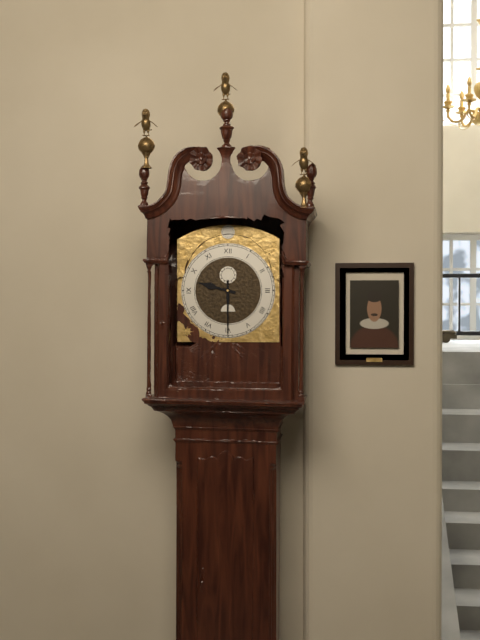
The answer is 9:30
